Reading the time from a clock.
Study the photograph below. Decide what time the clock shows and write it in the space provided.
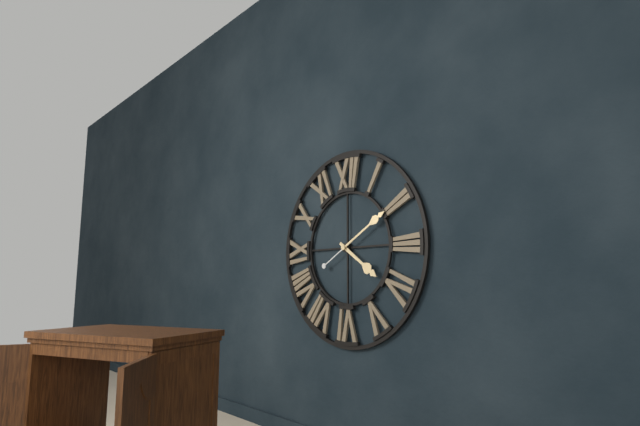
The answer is 4:10
